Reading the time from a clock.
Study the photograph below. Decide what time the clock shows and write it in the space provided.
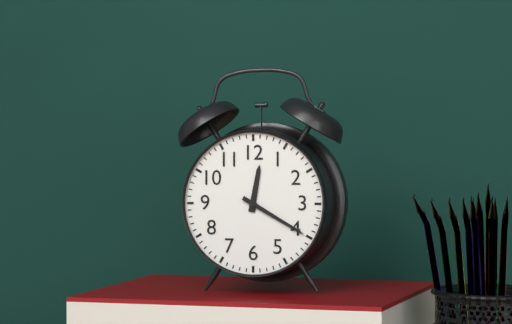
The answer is 12:20
